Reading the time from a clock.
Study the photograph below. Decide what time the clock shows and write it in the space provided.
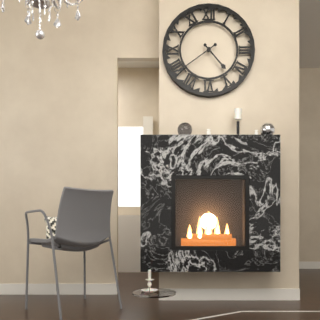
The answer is 4:39
